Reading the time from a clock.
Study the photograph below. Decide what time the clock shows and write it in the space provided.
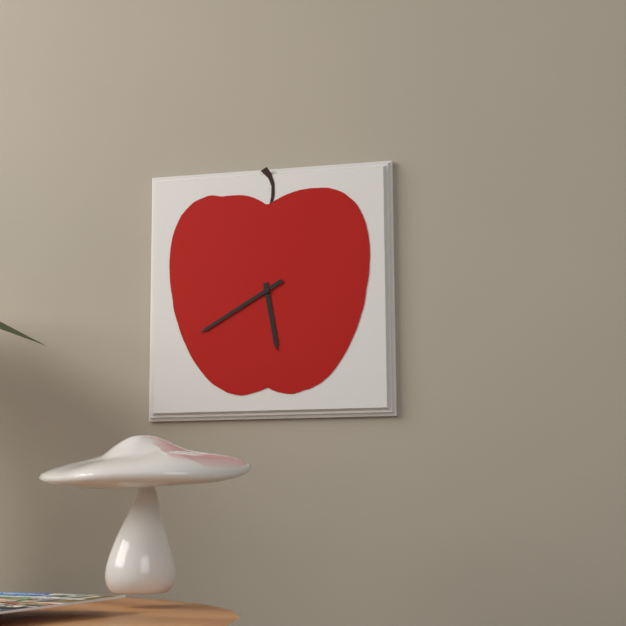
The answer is 5:40
